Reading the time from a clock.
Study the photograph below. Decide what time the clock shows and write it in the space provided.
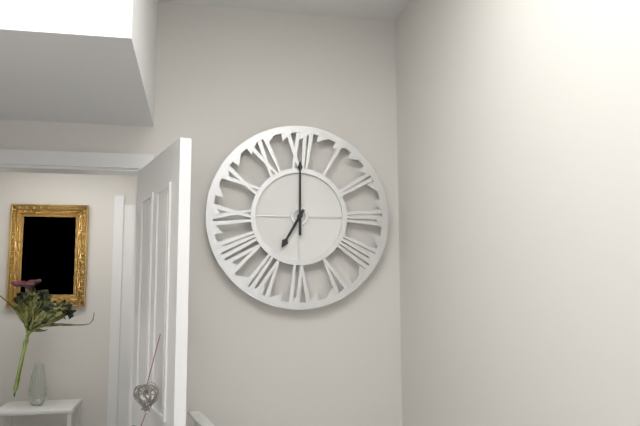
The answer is 7:00
